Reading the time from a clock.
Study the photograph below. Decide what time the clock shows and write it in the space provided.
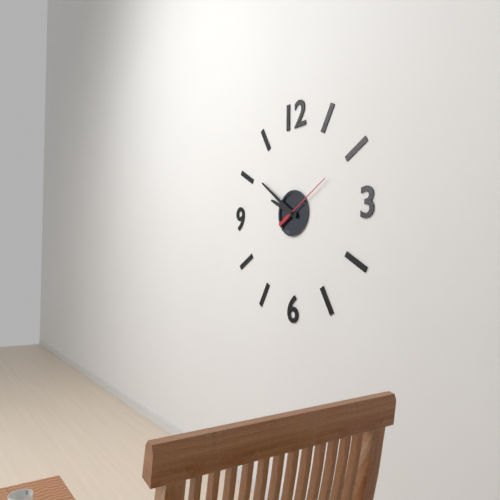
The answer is 9:51:10
